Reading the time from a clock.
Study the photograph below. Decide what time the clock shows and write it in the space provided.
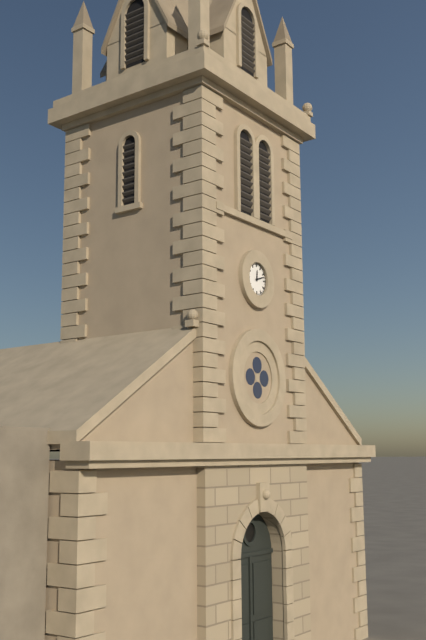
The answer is 12:12
